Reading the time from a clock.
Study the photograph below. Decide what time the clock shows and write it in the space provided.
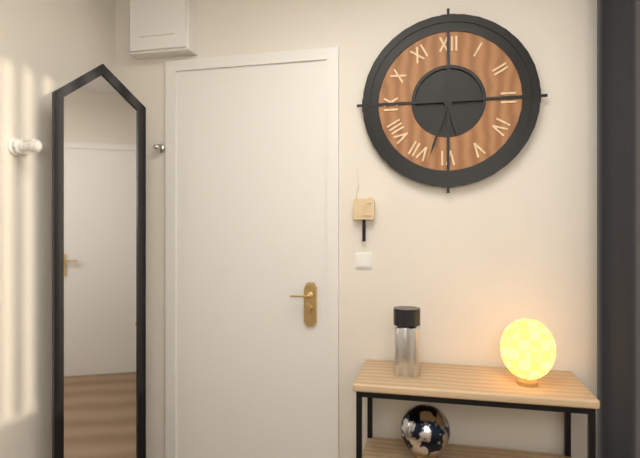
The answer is 5:33
